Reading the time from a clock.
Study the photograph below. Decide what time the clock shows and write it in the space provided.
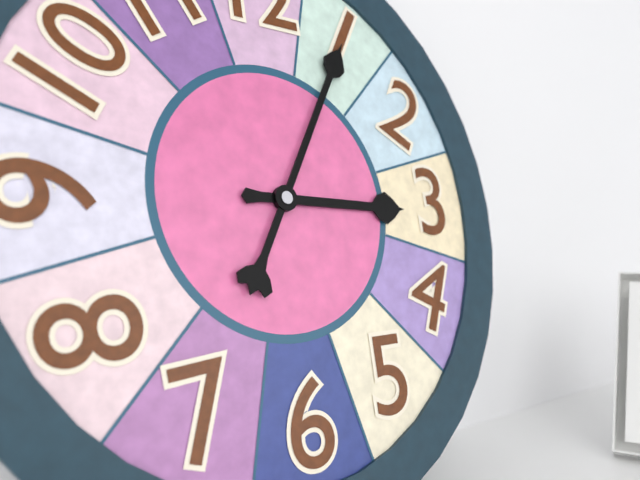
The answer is 3:05
